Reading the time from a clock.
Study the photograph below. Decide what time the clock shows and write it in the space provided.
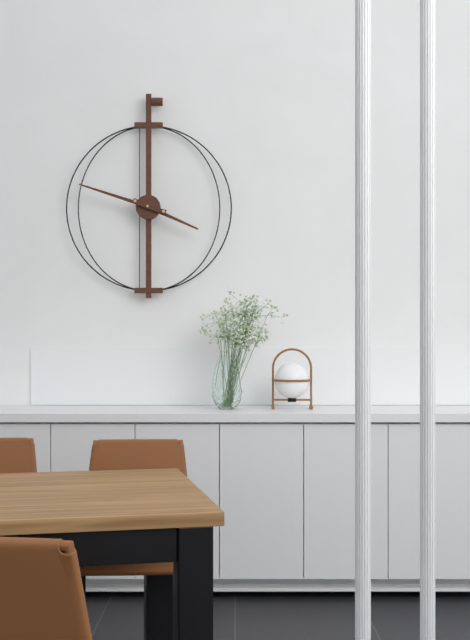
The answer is 3:48
